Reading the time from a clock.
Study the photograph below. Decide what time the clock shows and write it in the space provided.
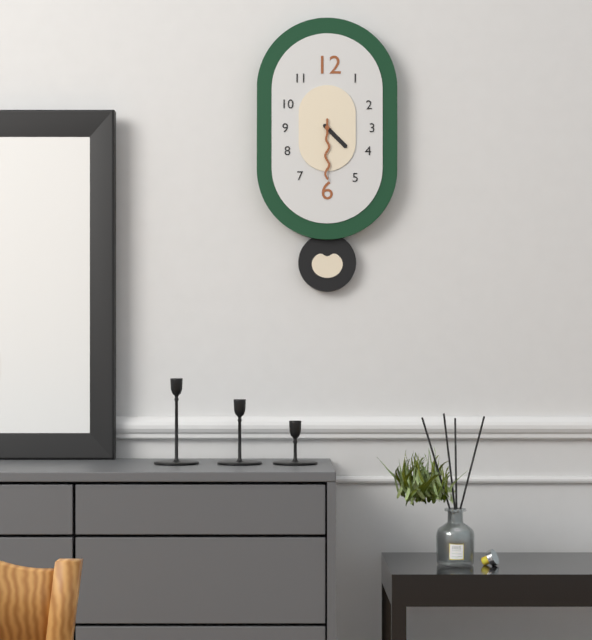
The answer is 4:30
